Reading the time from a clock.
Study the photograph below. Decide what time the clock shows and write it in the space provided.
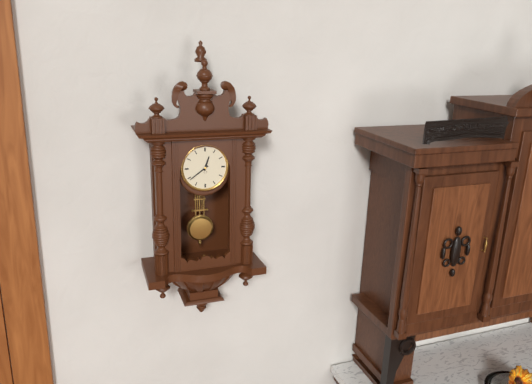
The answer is 12:39
